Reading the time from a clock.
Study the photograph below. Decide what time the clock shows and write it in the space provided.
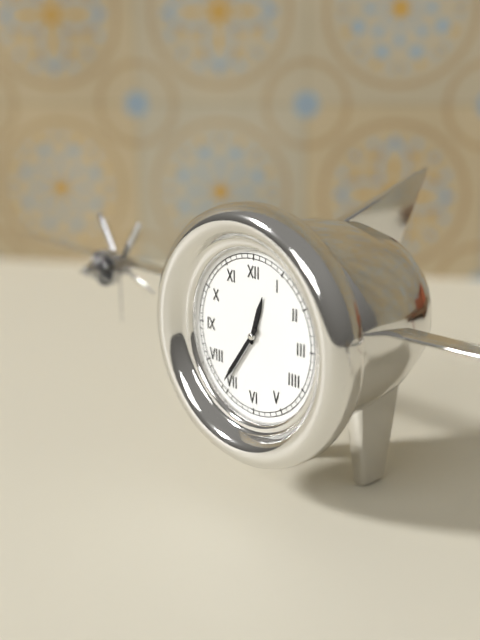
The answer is 12:36
